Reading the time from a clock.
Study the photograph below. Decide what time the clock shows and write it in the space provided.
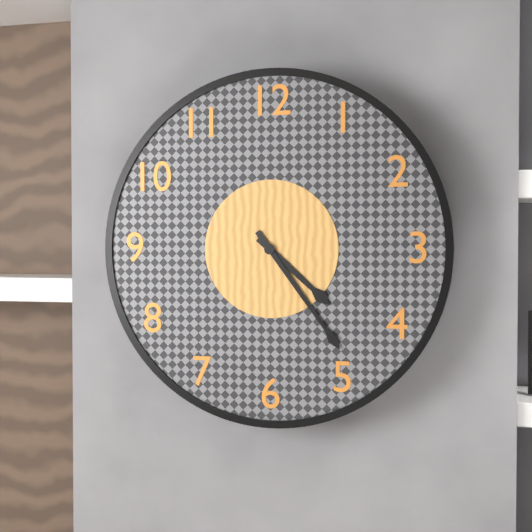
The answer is 4:24
